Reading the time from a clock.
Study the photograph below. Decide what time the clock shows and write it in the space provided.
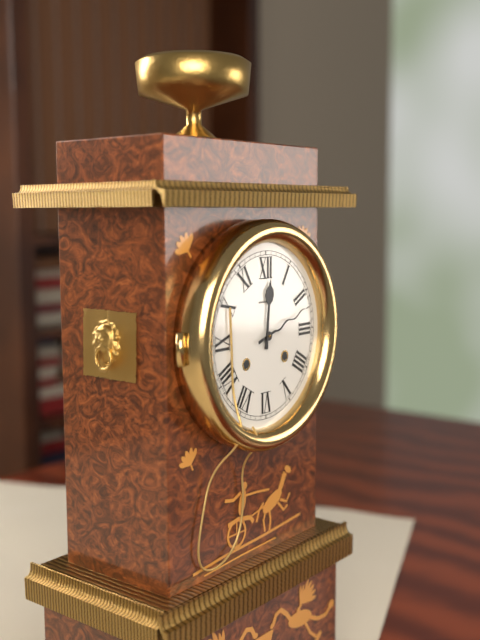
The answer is 12:12
